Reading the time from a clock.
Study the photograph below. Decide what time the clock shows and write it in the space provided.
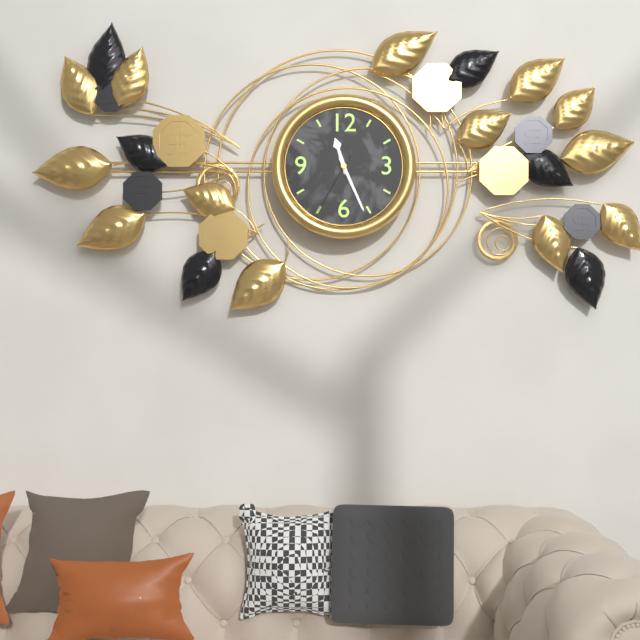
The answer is 11:26:35
